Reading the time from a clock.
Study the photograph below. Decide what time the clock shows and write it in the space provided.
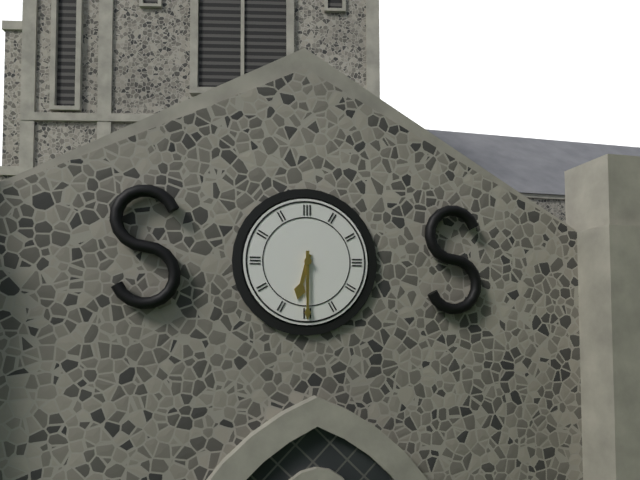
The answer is 6:30
